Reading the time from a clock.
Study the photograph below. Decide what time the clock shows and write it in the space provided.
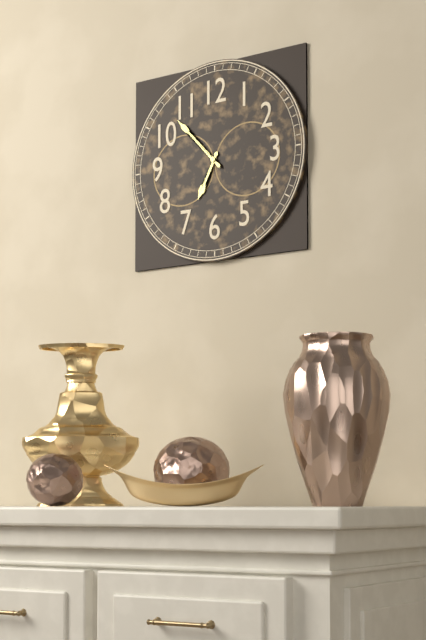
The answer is 6:53
